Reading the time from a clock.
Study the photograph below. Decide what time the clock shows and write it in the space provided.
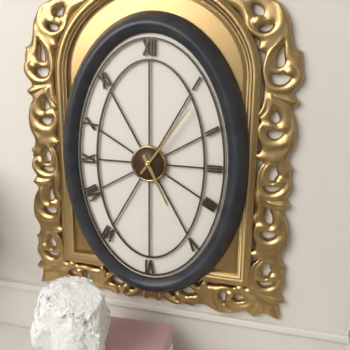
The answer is 5:06
